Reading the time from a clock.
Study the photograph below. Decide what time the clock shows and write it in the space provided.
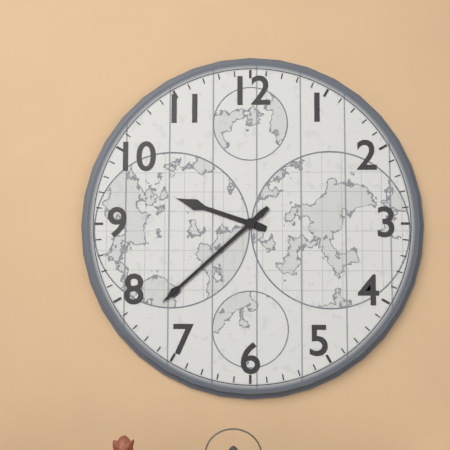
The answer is 9:38
